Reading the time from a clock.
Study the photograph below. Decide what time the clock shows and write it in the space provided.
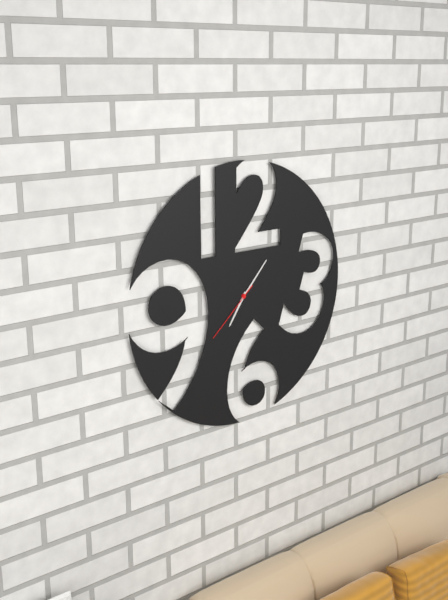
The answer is 7:07:38
